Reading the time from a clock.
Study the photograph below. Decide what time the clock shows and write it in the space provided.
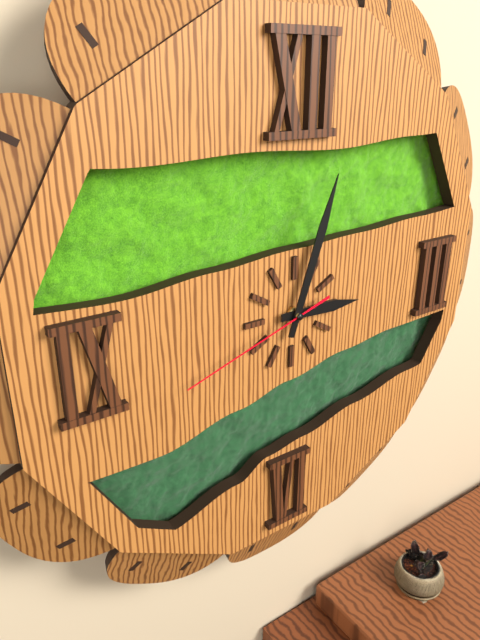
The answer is 3:03:42
